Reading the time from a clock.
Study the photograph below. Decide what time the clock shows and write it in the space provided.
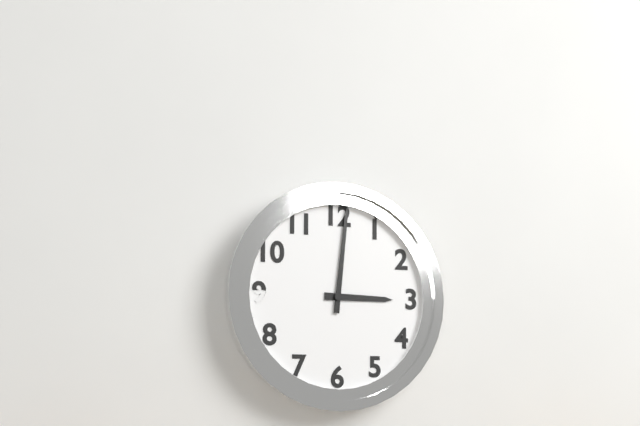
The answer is 3:01
